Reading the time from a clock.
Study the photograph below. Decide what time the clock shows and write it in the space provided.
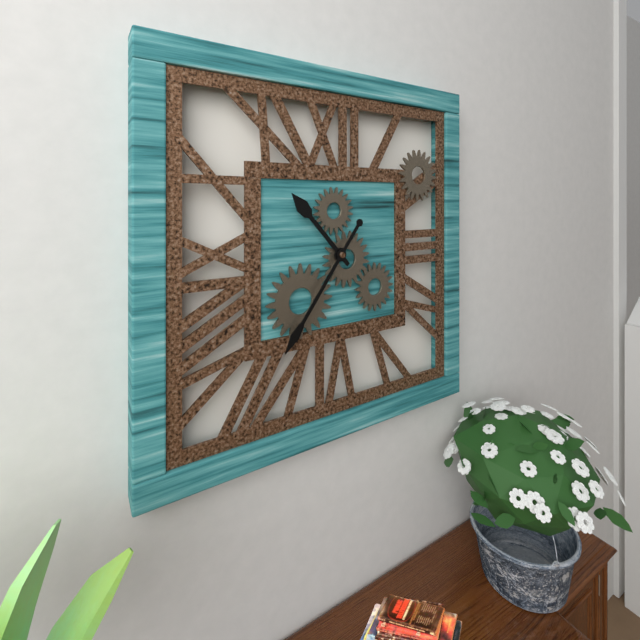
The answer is 10:36
